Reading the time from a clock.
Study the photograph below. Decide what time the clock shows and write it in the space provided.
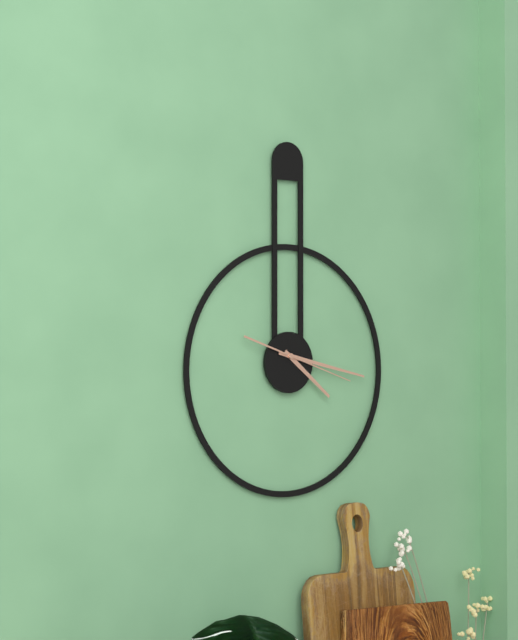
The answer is 4:17:18
